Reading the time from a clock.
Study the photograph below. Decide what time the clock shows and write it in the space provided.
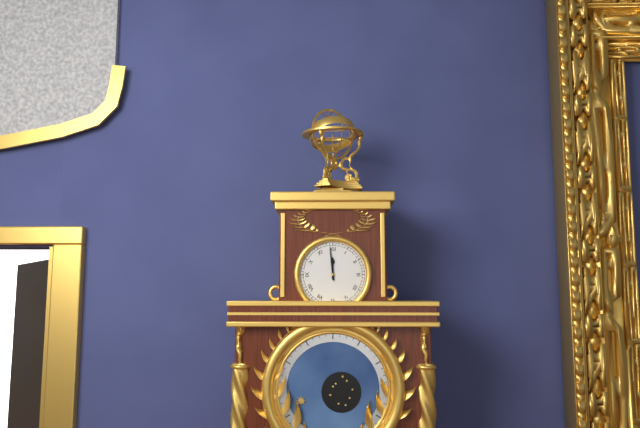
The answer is 11:59
